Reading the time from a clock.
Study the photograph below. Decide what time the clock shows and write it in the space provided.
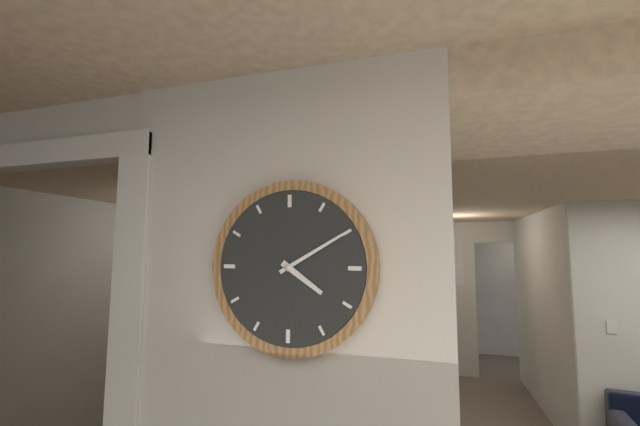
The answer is 4:10
